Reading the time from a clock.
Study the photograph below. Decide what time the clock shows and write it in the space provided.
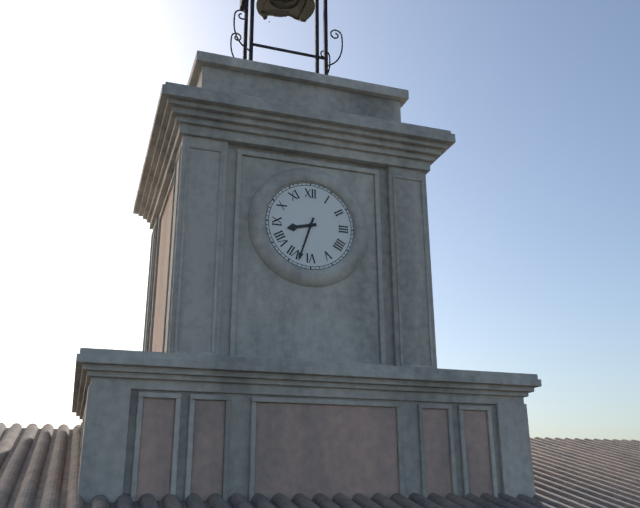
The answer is 8:33
